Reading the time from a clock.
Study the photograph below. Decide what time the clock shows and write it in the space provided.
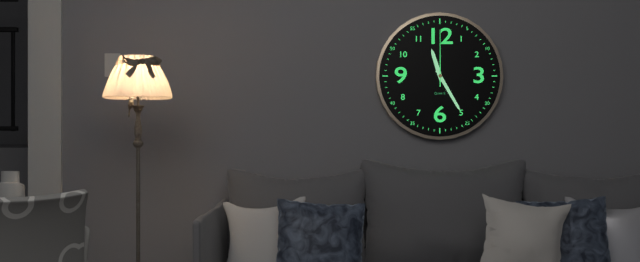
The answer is 11:25:00
